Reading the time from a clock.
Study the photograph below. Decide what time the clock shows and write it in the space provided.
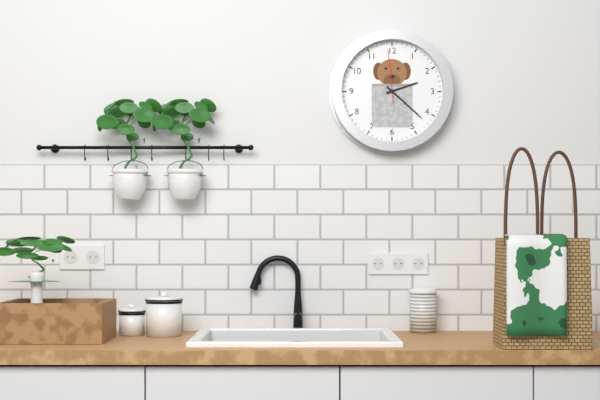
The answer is 2:22:59
